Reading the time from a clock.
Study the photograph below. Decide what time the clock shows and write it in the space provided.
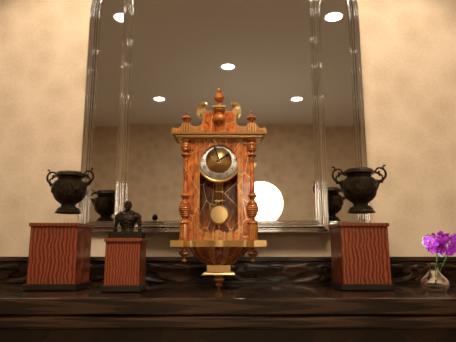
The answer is 1:57
